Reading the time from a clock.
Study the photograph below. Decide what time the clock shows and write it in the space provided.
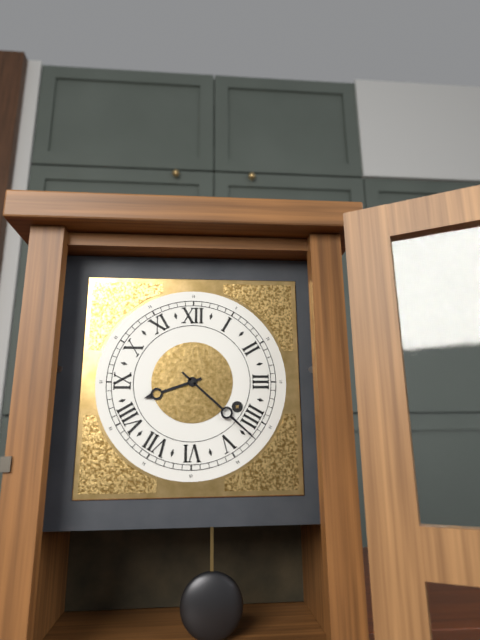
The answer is 8:22
